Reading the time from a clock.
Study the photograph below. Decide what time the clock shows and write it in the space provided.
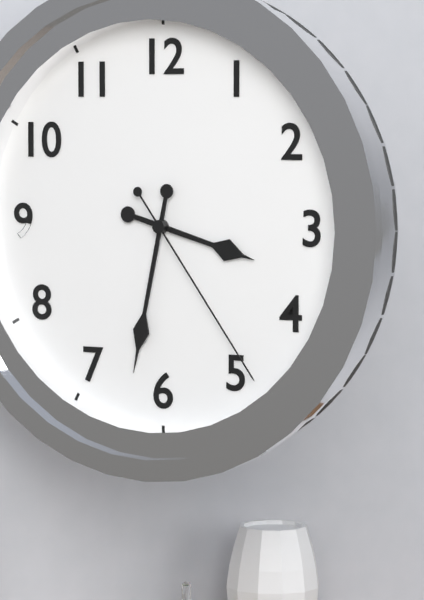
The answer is 3:32:24
